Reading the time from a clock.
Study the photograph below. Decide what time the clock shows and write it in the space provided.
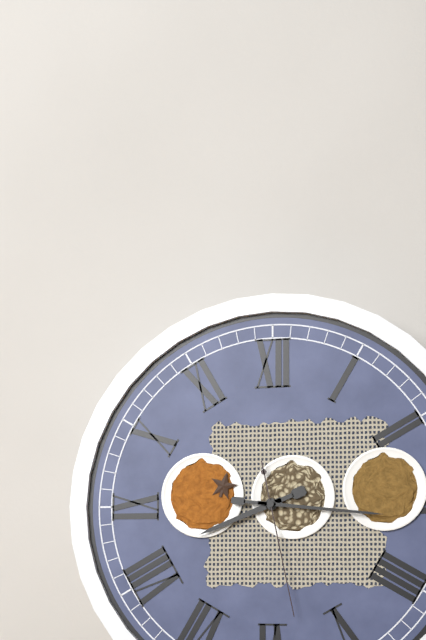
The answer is 8:16:28
